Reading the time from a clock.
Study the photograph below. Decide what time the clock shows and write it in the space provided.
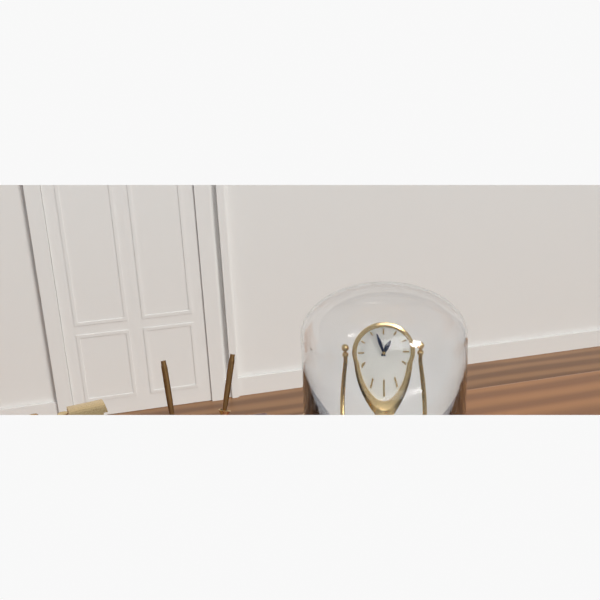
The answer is 12:57
